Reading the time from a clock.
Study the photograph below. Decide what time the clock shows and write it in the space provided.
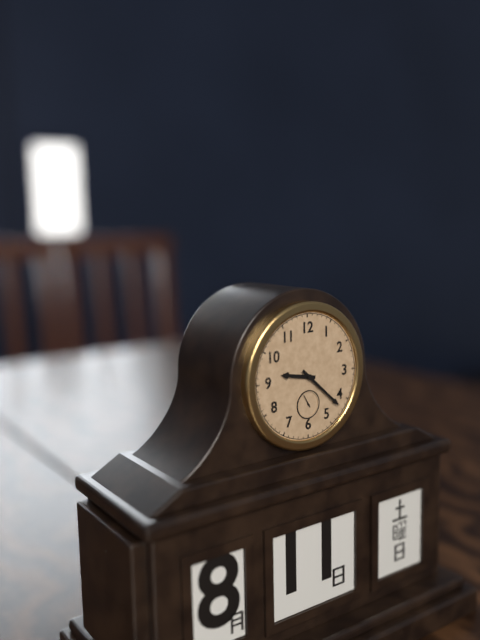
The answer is 9:22
